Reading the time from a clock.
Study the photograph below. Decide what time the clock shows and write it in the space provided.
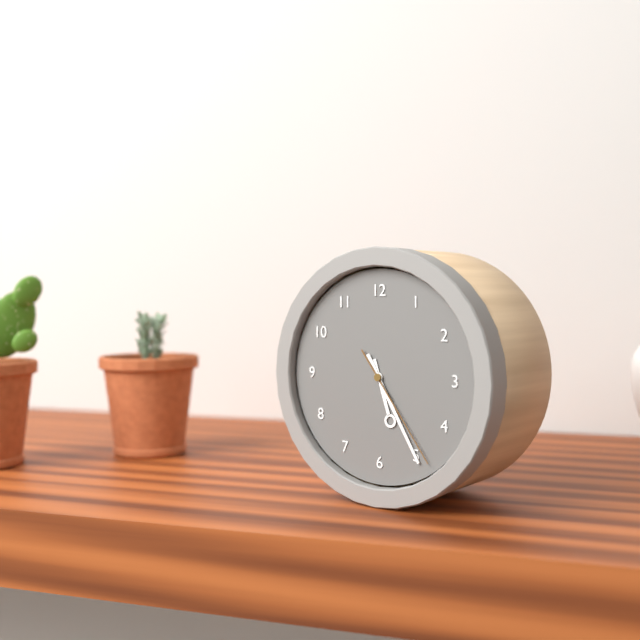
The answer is 5:25:24
